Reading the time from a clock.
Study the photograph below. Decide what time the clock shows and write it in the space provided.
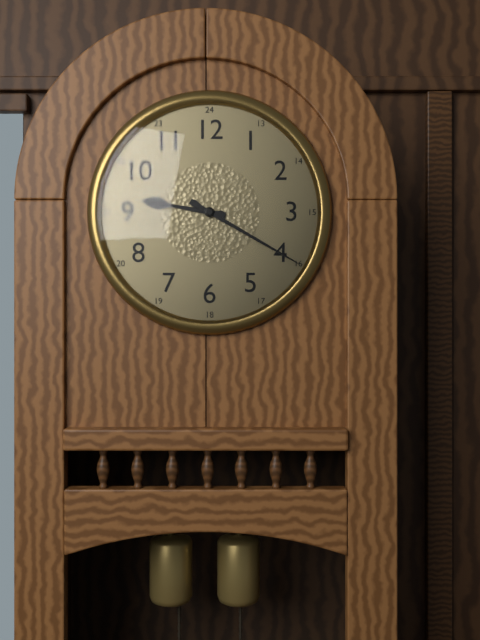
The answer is 9:20
